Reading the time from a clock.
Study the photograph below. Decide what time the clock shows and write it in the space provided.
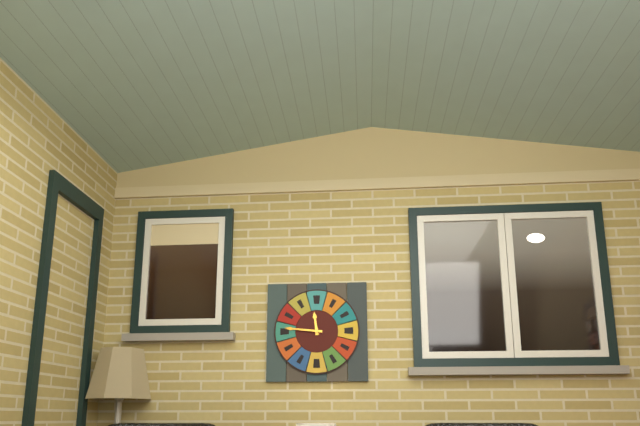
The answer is 11:46
